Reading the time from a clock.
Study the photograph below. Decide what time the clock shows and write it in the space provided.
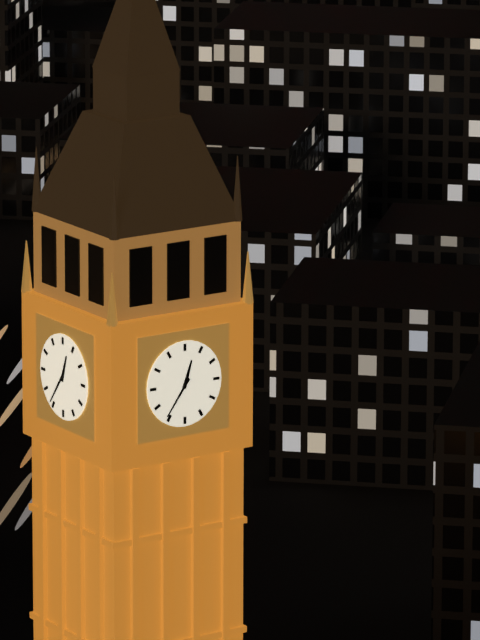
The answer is 12:36
